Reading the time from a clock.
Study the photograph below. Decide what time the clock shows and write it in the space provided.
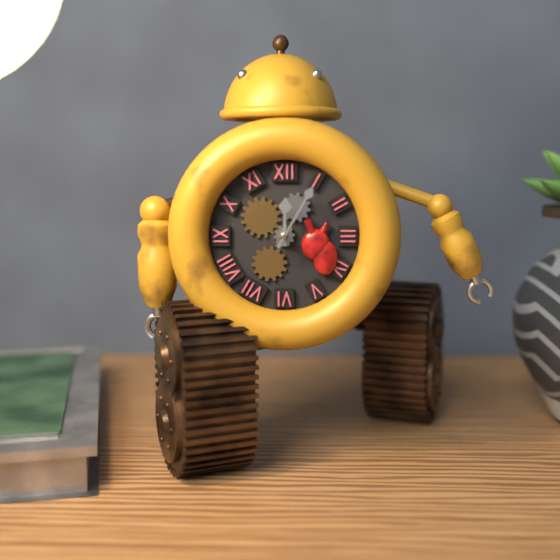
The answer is 12:05
